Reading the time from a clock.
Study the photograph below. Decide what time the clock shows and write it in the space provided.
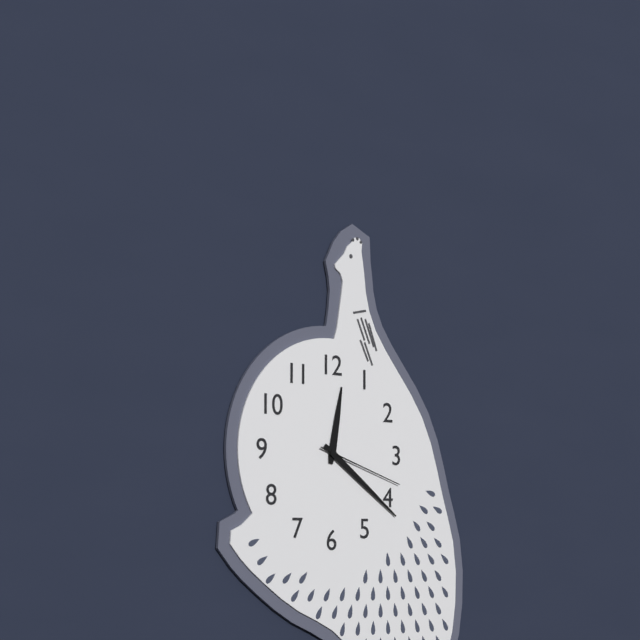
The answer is 12:21:18
